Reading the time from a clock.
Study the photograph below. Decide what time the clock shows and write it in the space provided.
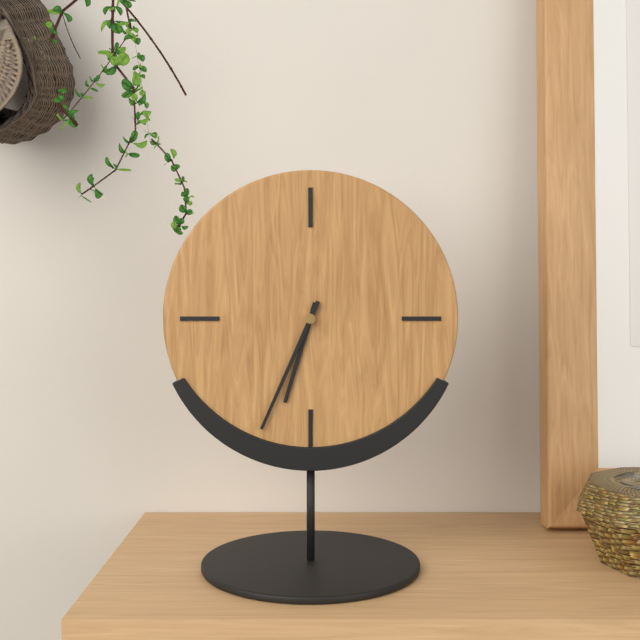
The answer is 6:34
